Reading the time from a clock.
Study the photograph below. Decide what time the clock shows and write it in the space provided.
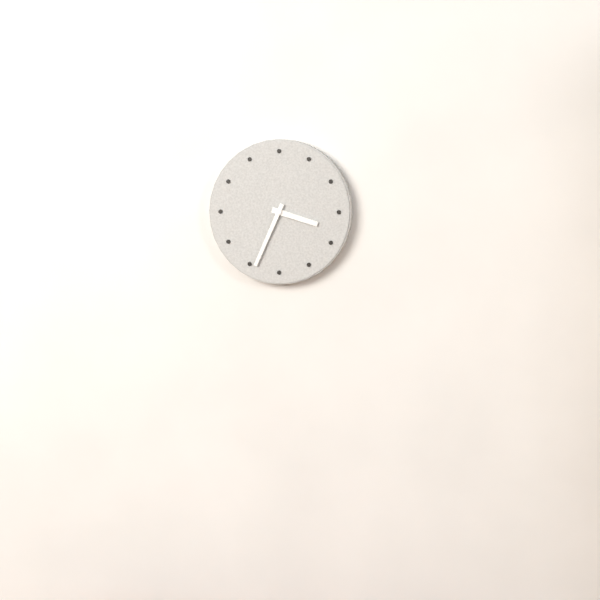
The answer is 3:34
